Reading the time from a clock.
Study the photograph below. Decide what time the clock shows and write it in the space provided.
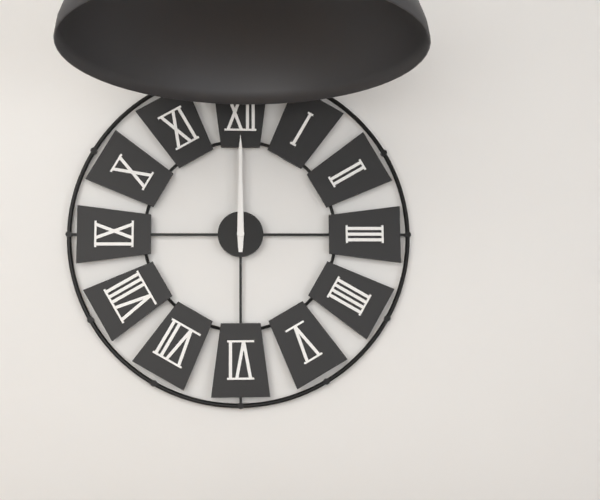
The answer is 12:00
